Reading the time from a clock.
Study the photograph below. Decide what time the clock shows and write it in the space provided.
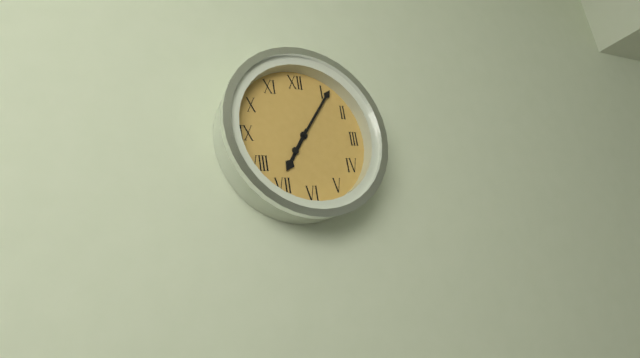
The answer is 7:06
